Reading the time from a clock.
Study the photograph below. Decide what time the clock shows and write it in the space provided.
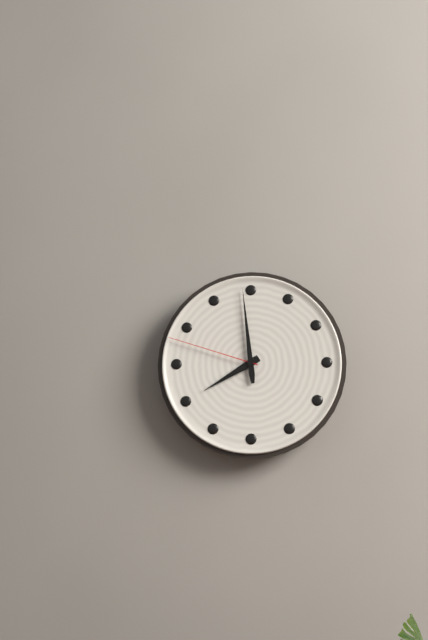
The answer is 7:59:48
